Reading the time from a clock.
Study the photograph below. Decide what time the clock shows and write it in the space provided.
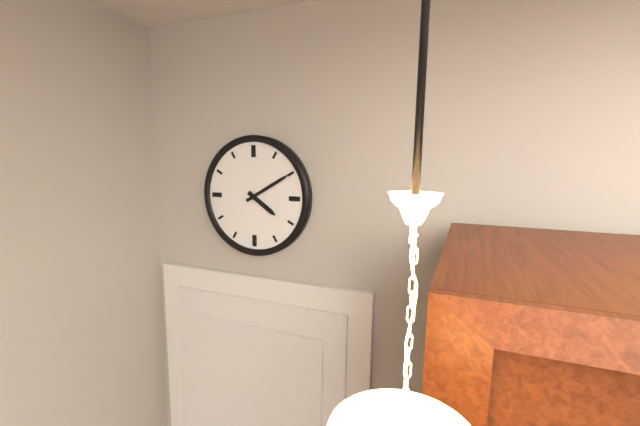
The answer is 4:10
